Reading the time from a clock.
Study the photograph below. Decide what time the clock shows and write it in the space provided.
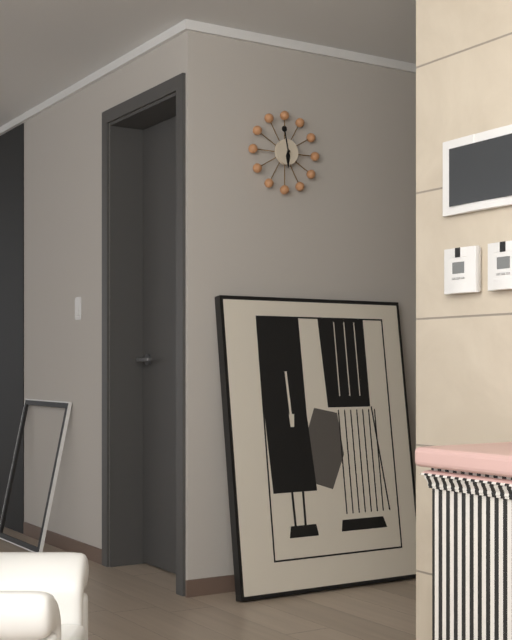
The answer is 5:58
